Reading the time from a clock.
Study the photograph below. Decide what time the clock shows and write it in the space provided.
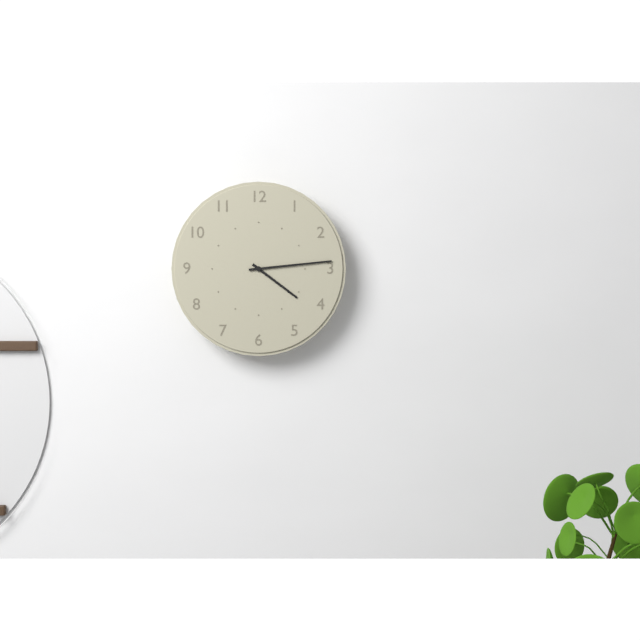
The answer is 4:14
